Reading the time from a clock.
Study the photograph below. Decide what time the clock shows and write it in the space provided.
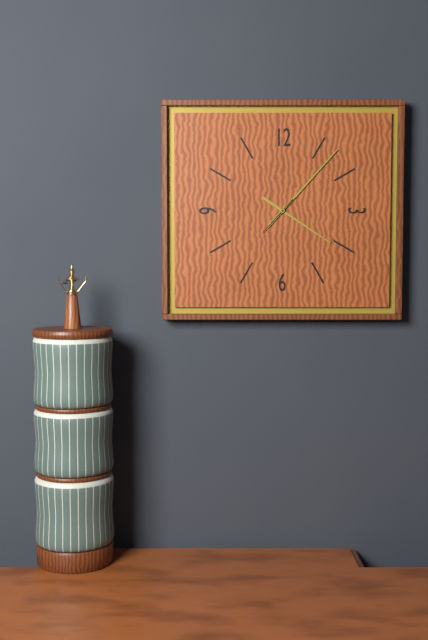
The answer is 4:07
